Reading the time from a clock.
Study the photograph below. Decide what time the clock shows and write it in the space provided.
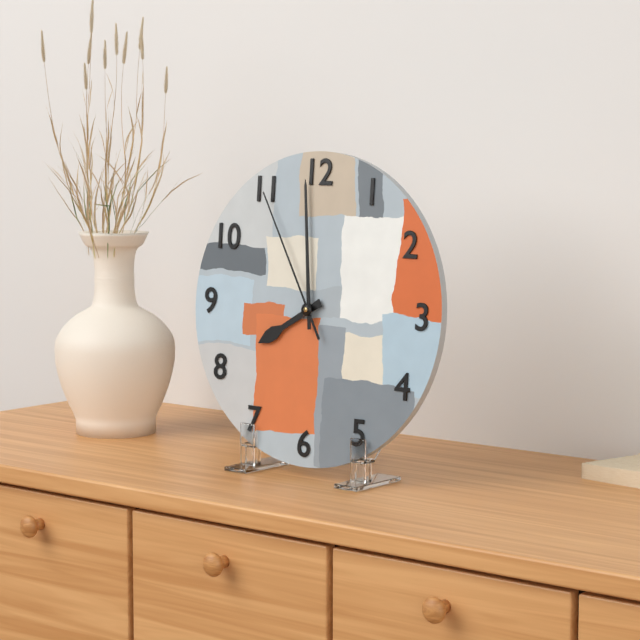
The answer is 7:59:55
